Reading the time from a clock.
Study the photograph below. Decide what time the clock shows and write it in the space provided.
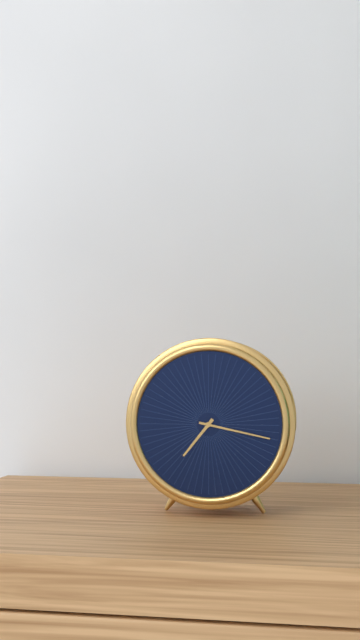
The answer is 7:17
